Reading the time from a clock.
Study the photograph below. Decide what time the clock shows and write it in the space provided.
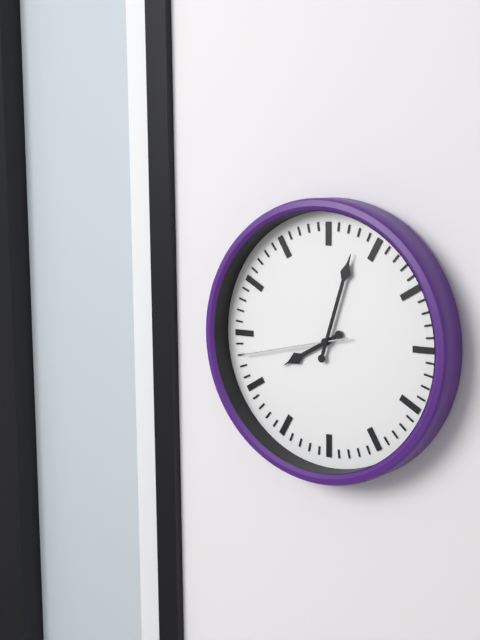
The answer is 8:03:43
